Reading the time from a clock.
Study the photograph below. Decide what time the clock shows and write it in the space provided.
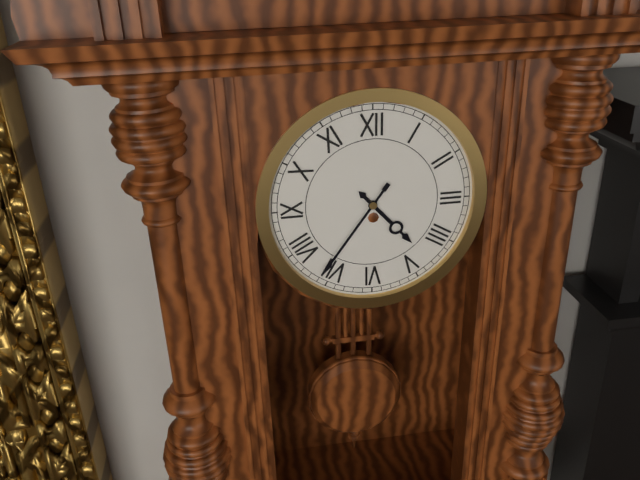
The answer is 4:36
